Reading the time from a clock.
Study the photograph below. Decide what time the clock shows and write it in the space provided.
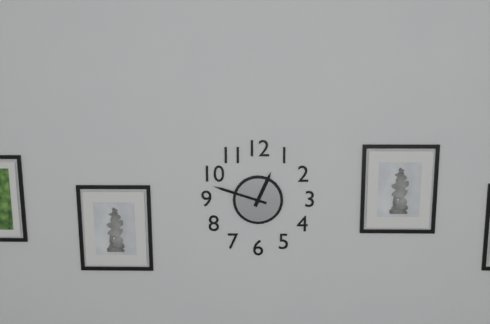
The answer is 12:48
